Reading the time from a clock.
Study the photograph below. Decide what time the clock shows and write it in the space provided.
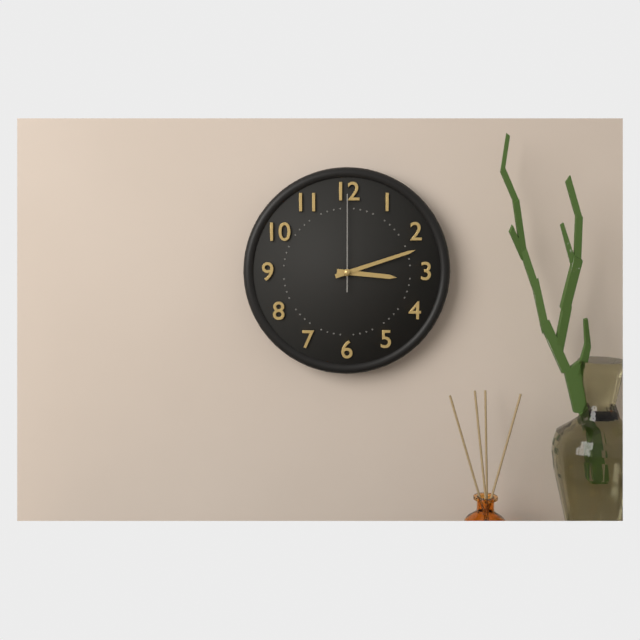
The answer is 3:12:00
